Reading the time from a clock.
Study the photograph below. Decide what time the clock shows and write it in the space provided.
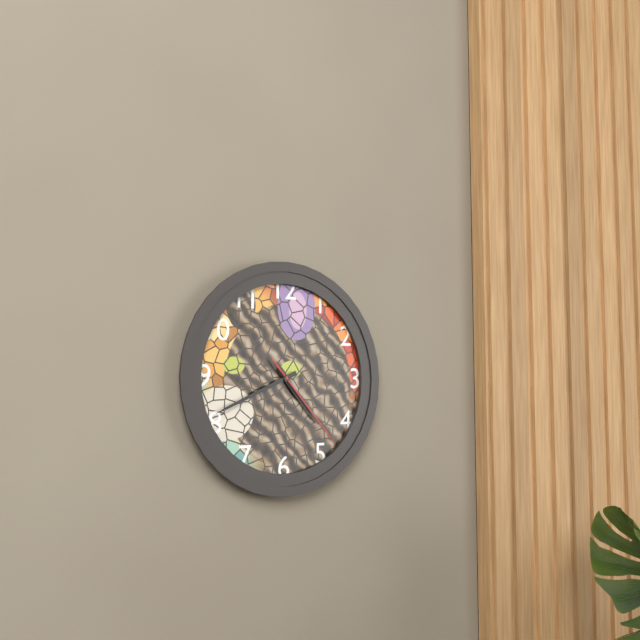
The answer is 4:41:23
